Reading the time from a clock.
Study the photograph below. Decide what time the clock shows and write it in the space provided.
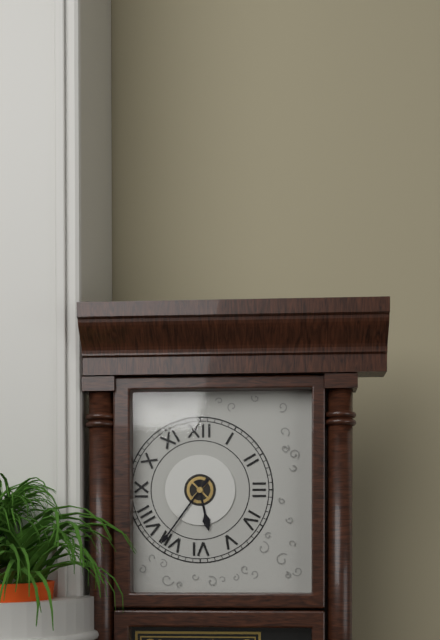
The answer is 5:36
